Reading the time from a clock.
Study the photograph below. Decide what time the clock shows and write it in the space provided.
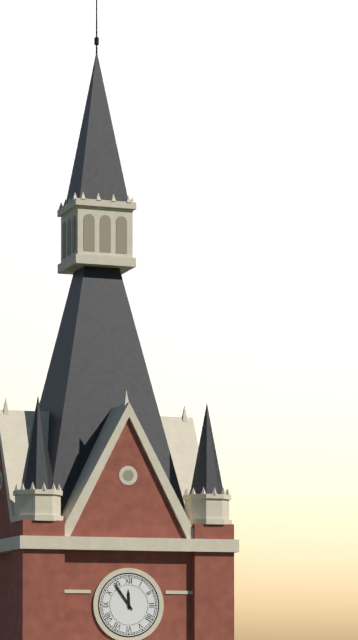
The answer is 11:54
